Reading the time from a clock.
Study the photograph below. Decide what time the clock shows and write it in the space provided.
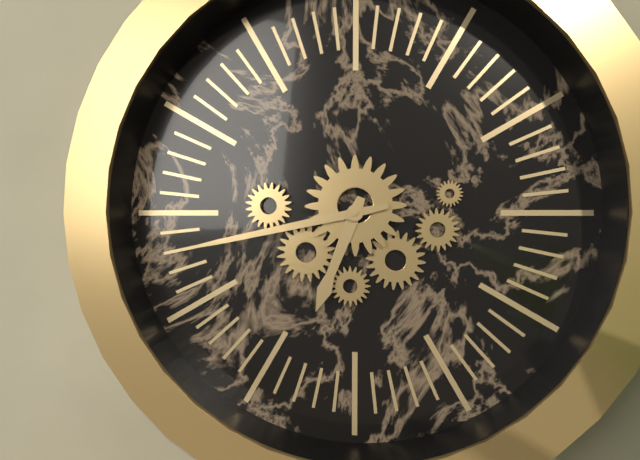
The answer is 6:43
